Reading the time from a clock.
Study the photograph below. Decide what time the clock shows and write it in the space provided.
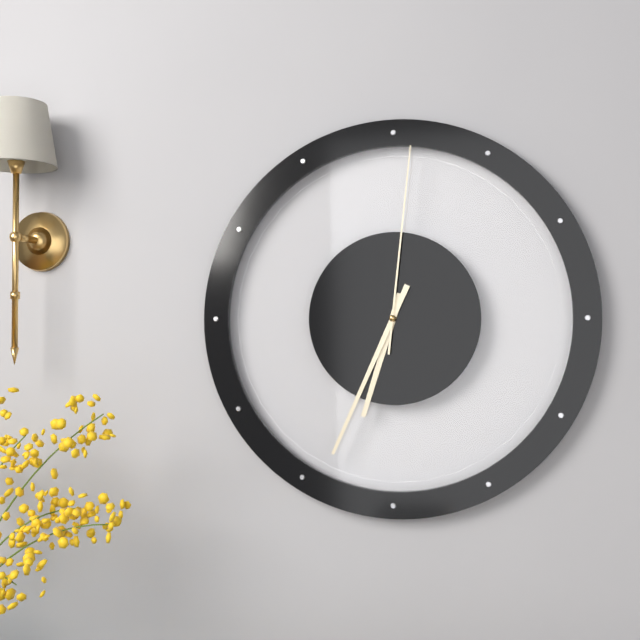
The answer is 6:34:01
